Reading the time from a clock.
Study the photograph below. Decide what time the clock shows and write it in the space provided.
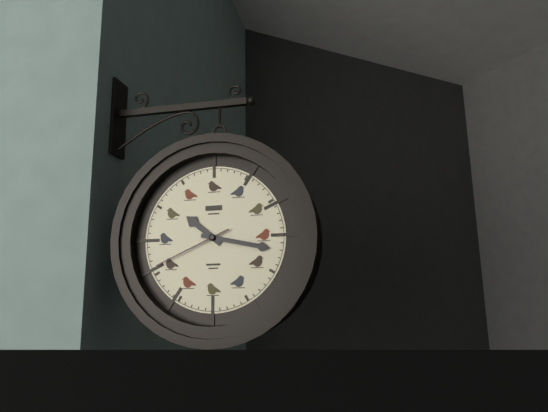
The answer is 10:17:41
